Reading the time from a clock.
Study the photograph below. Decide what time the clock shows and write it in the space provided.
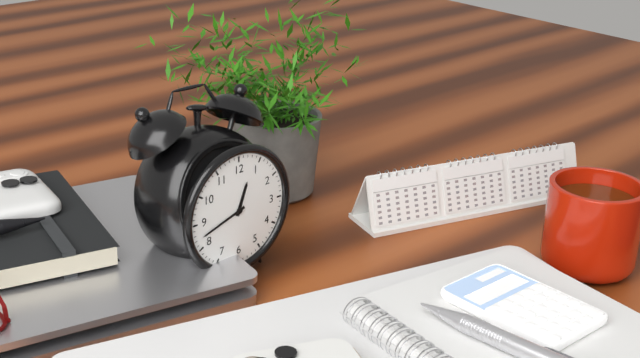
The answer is 12:42
